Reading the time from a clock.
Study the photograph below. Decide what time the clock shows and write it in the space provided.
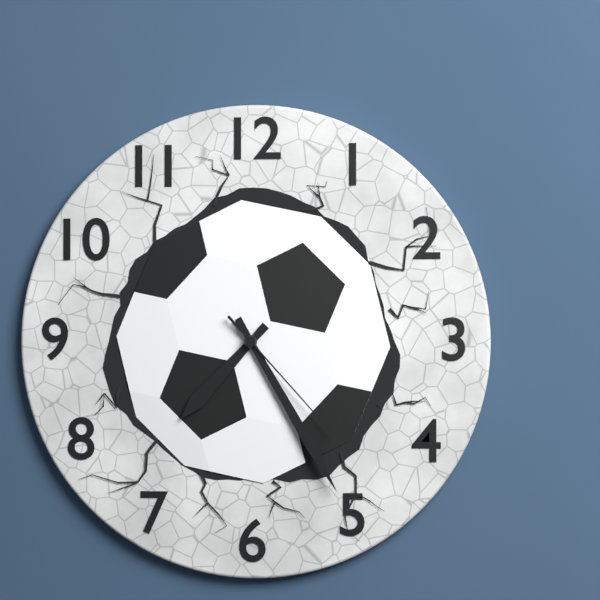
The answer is 7:25:23
